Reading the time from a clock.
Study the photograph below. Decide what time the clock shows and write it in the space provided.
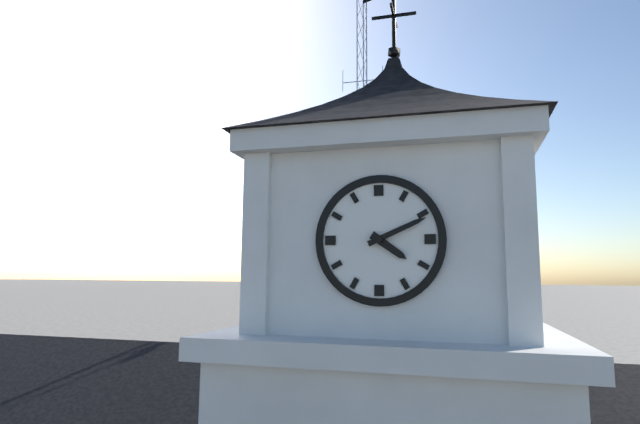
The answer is 4:11
